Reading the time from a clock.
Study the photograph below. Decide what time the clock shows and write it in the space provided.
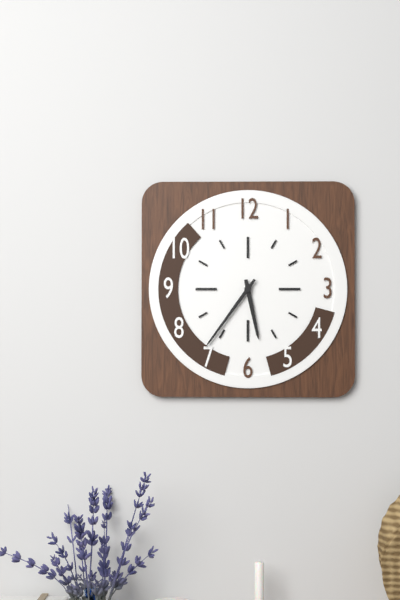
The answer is 5:36
